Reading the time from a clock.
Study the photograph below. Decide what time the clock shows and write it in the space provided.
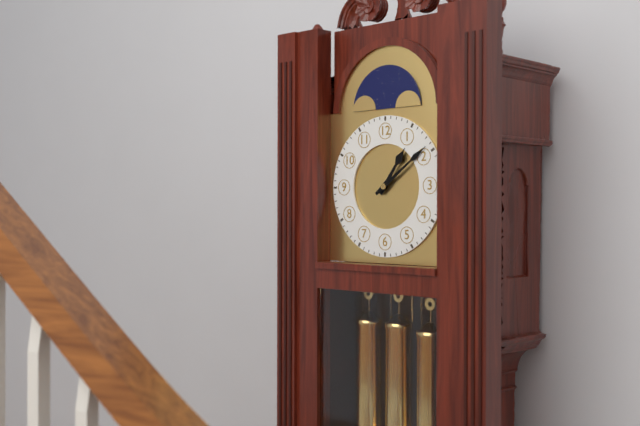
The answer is 1:09
